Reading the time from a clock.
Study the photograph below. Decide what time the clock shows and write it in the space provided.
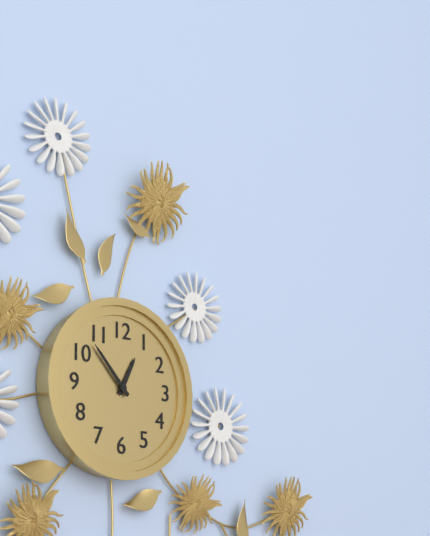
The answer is 12:53
